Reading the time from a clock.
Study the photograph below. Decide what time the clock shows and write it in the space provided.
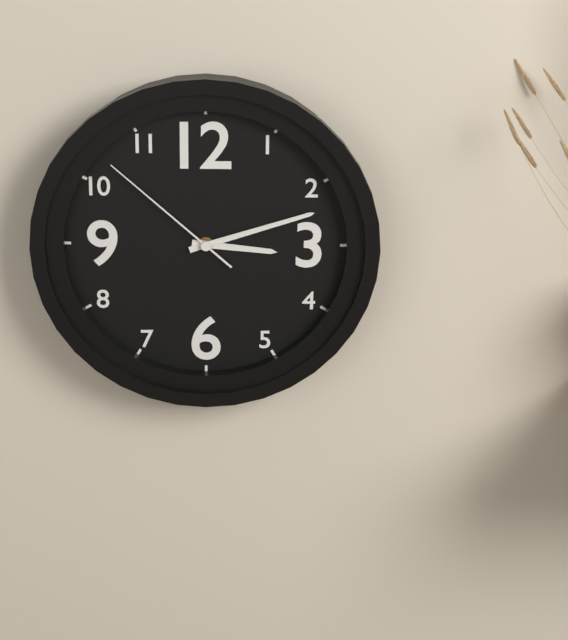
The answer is 3:12:52
